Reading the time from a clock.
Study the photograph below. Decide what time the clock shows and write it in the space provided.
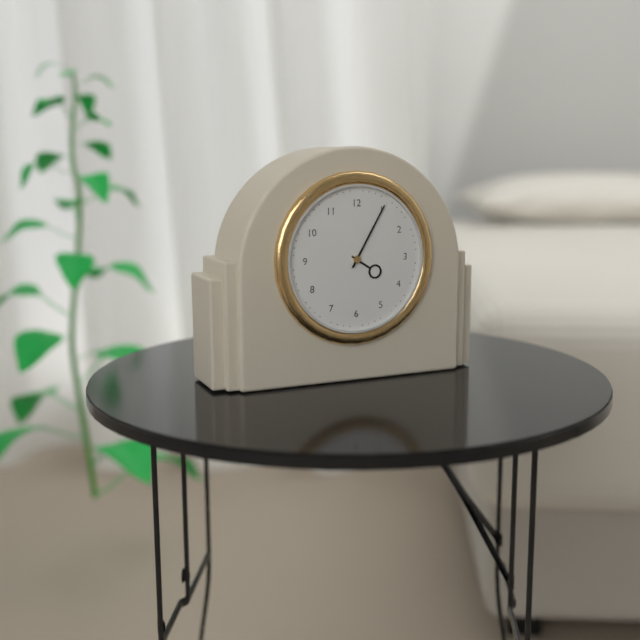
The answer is 4:05
